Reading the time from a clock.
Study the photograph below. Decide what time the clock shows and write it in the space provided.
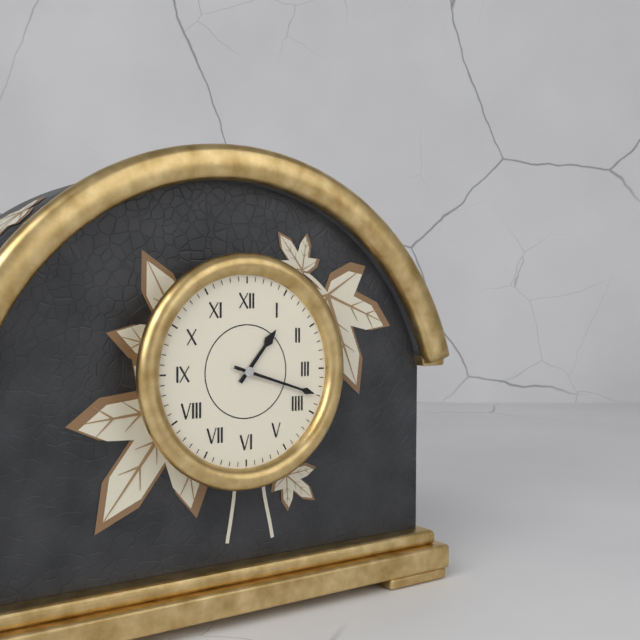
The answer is 1:18
